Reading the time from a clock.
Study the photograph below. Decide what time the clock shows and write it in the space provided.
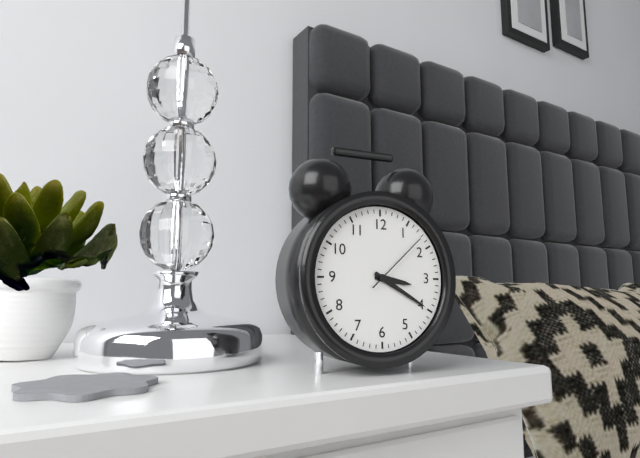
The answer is 3:20:08
